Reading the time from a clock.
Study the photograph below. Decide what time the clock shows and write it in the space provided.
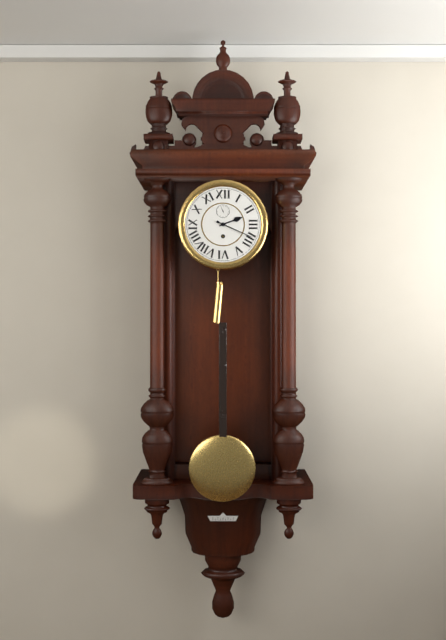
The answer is 2:19
